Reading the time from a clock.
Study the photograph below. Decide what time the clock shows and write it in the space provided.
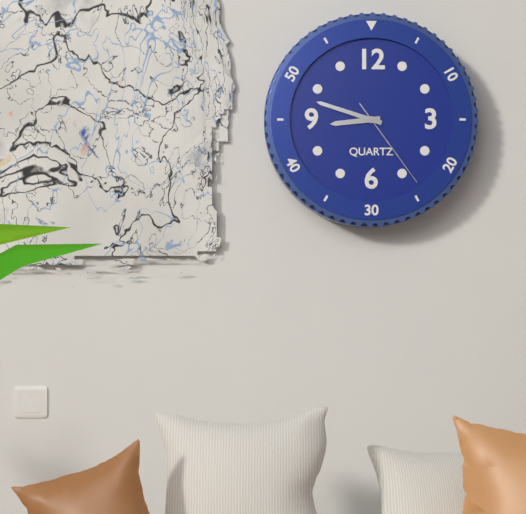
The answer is 8:48:24
